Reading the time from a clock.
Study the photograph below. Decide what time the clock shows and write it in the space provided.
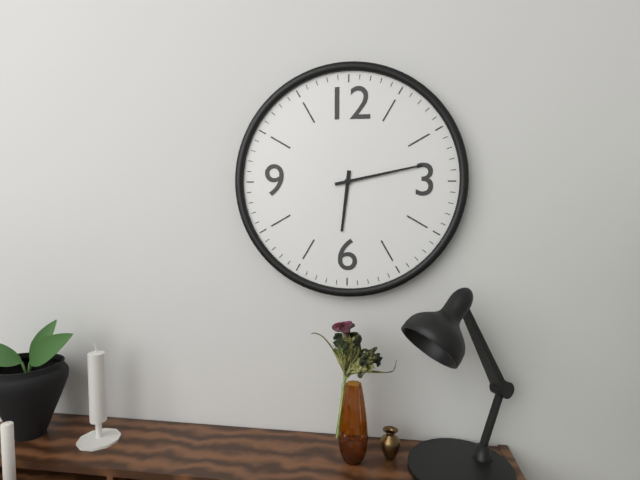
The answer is 6:13
